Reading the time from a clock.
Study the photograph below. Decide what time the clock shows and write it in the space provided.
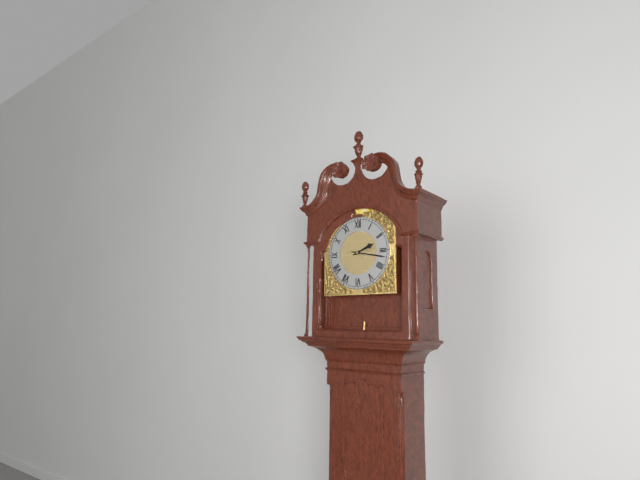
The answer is 2:17
